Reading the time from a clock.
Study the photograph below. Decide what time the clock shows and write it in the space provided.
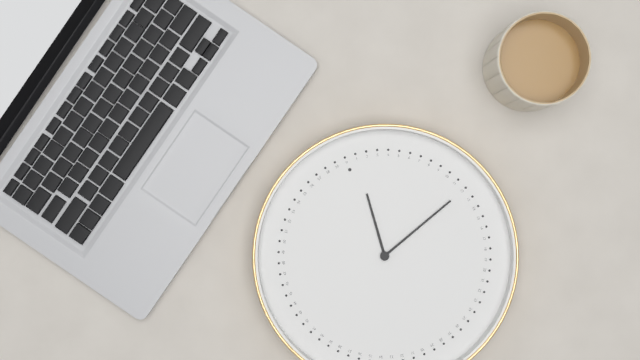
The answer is 12:12
